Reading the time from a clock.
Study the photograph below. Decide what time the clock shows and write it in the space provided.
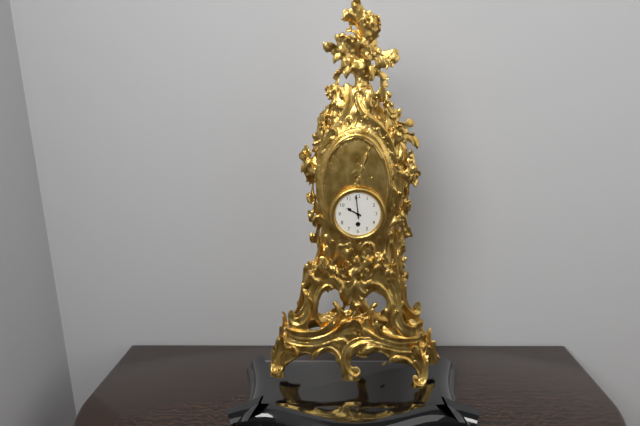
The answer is 9:59
